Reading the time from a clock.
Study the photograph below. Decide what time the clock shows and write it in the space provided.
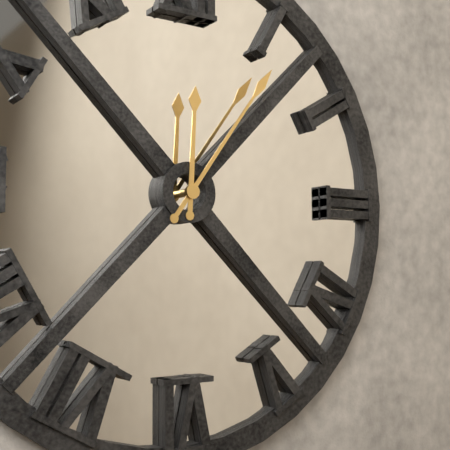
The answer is 12:06
